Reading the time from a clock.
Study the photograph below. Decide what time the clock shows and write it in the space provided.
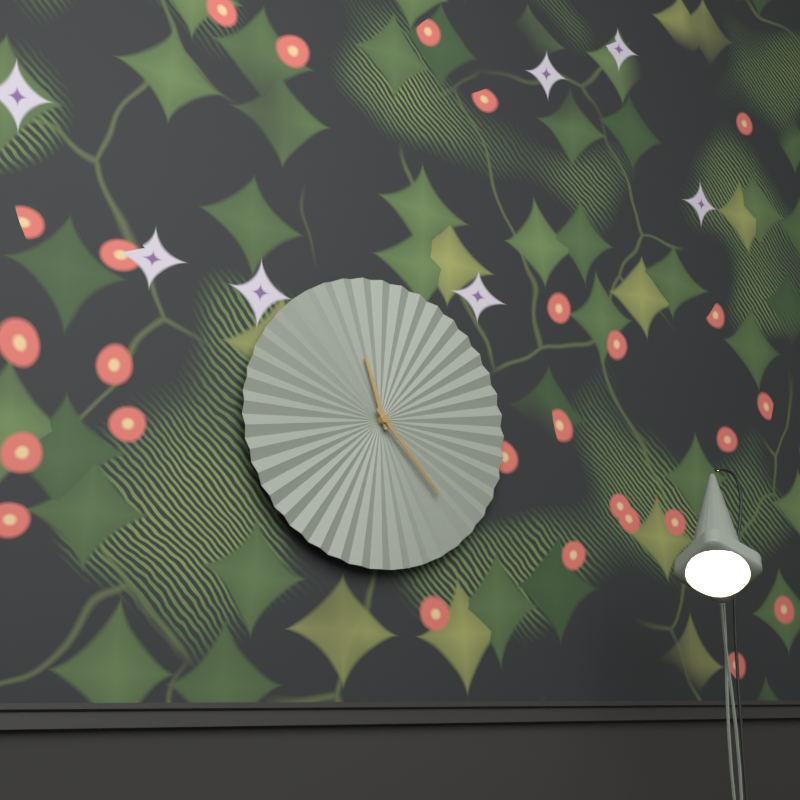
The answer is 11:23
